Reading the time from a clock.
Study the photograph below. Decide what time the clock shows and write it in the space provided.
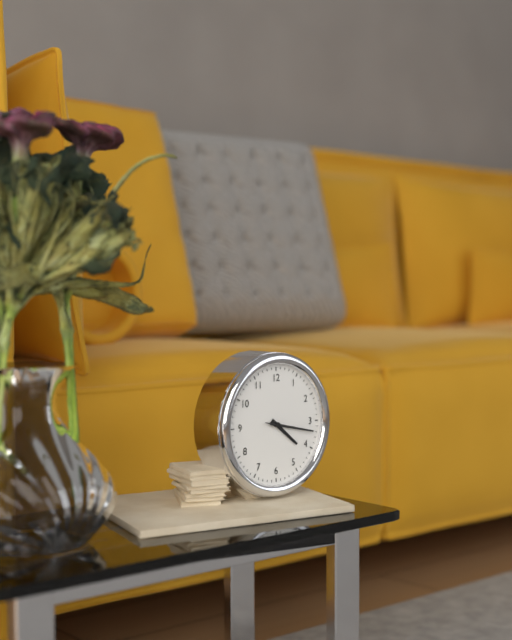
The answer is 4:17
